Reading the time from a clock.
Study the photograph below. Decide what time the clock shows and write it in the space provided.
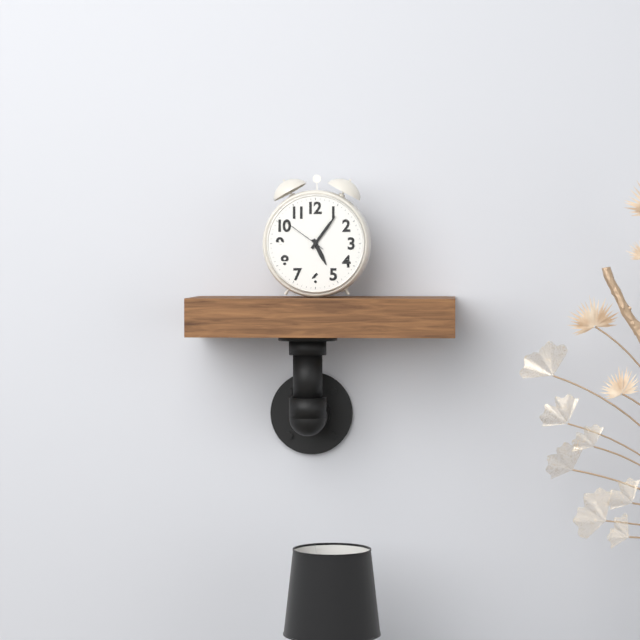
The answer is 5:06
